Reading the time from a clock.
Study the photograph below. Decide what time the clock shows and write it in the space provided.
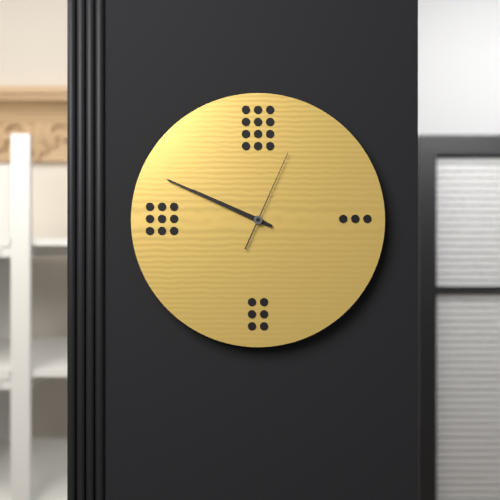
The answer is 9:49:04
